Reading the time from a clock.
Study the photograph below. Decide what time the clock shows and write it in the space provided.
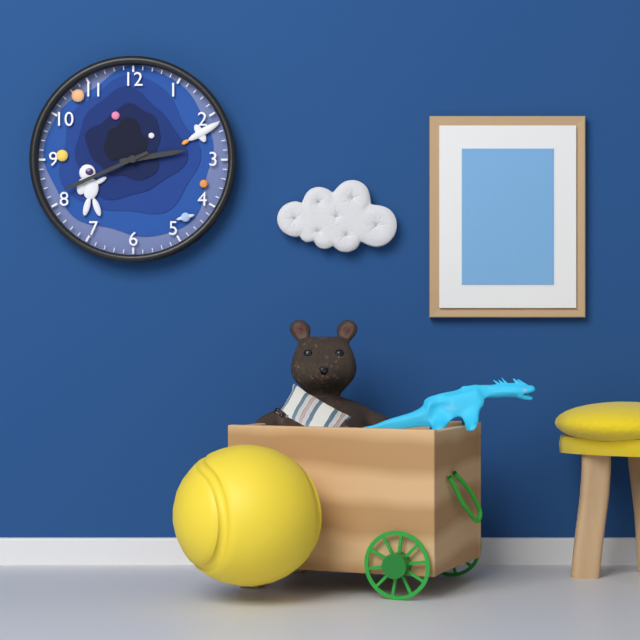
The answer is 2:41
